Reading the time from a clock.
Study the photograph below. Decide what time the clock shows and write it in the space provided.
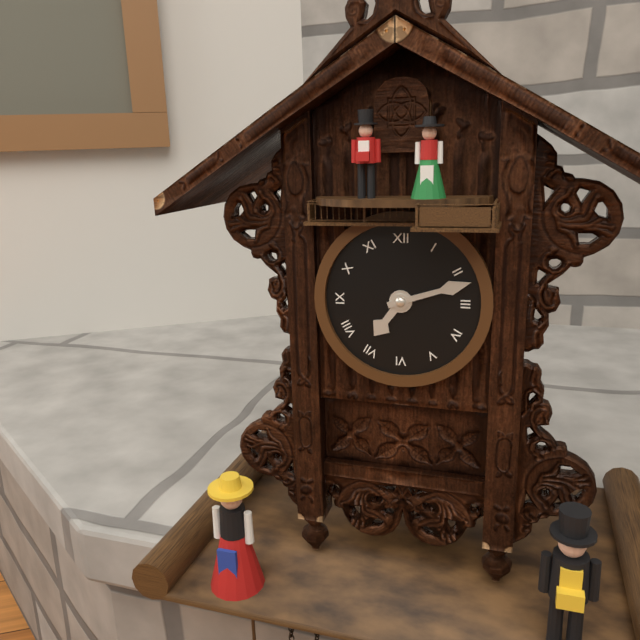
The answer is 7:12
